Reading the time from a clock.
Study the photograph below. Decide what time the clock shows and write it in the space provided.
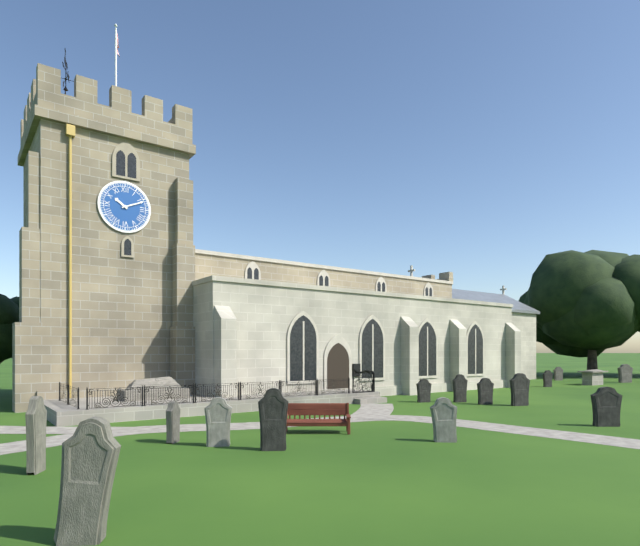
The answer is 10:11
